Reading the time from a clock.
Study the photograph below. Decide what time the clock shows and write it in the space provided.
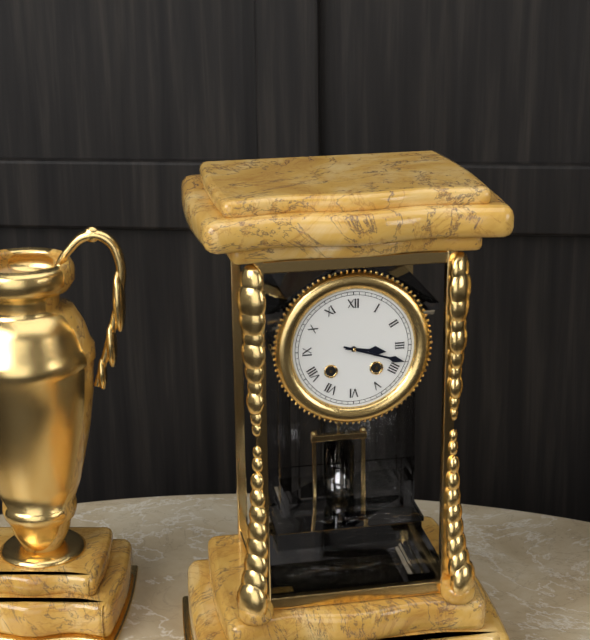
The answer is 3:18
